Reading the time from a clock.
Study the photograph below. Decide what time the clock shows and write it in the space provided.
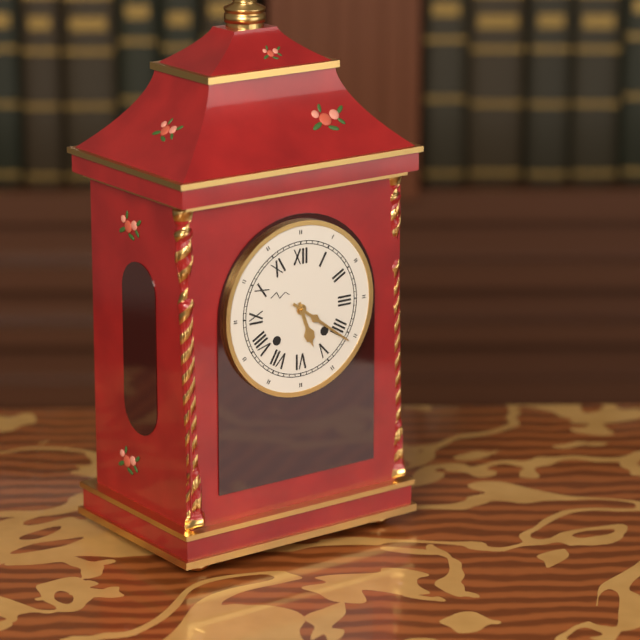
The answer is 5:21
